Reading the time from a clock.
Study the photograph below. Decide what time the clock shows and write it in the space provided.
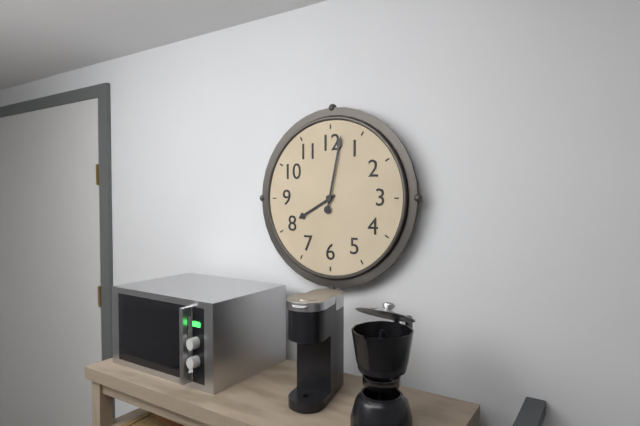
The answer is 8:02
